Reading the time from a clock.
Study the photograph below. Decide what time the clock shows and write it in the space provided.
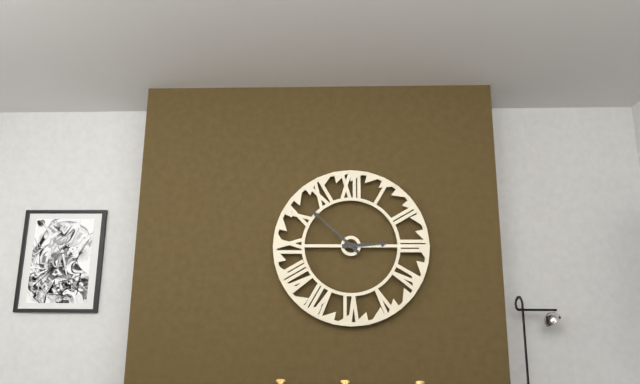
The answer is 2:52
